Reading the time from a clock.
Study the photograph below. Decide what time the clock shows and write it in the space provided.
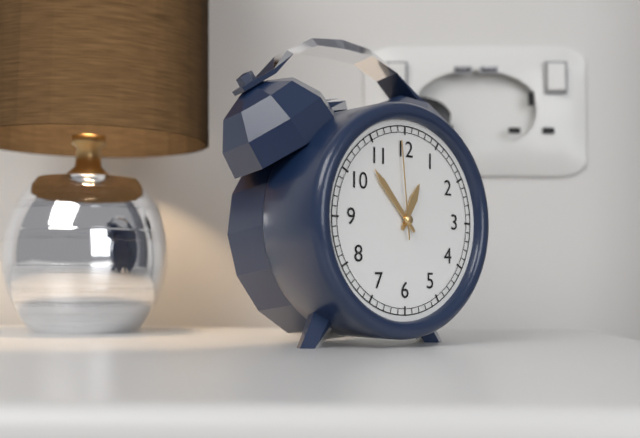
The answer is 12:53:59
